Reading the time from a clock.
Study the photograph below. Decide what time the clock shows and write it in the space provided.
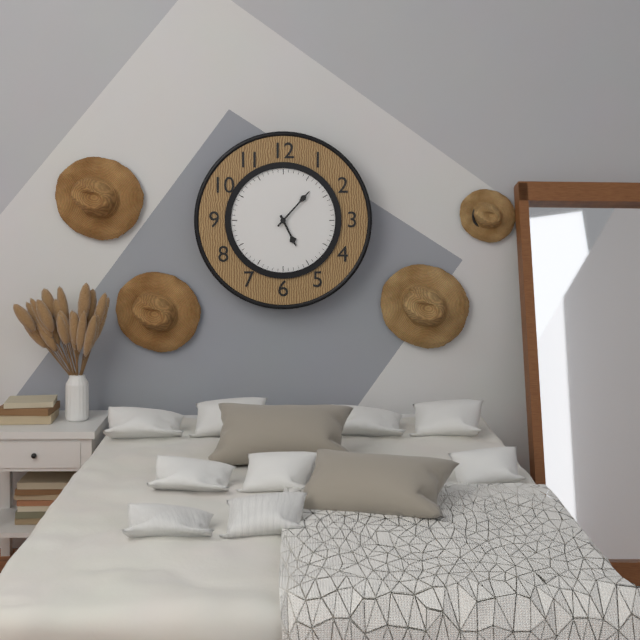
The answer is 5:07
